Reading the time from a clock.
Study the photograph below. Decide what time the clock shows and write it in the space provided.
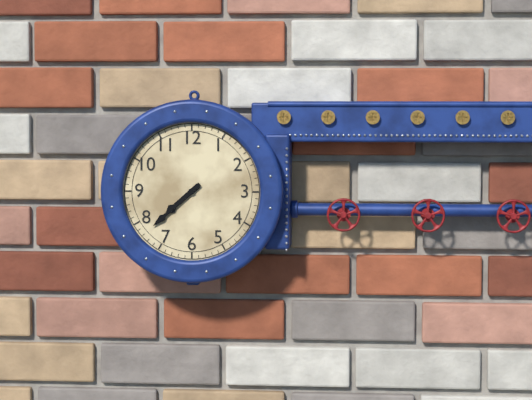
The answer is 7:38
